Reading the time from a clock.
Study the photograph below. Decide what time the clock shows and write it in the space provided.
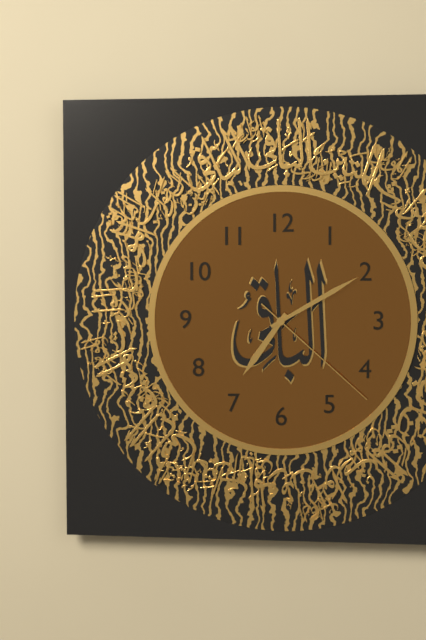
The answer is 7:10:22
